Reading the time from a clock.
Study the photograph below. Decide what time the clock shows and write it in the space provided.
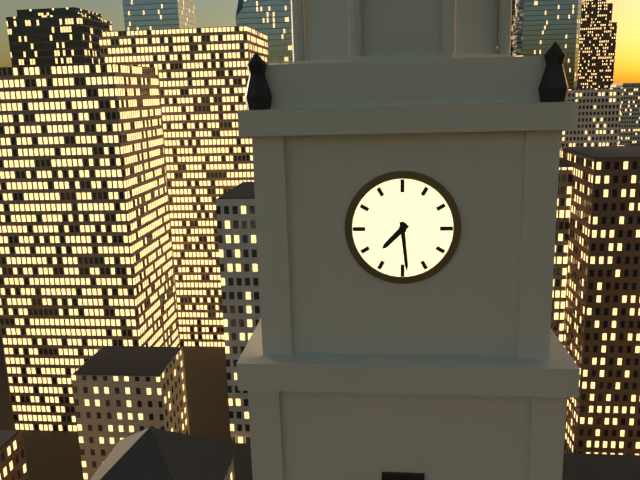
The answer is 7:29
